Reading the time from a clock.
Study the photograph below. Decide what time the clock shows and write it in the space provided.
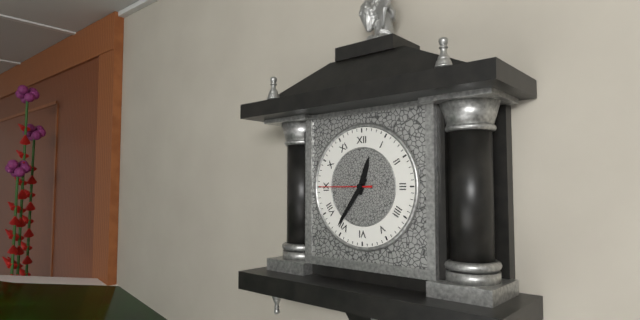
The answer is 12:36:45
